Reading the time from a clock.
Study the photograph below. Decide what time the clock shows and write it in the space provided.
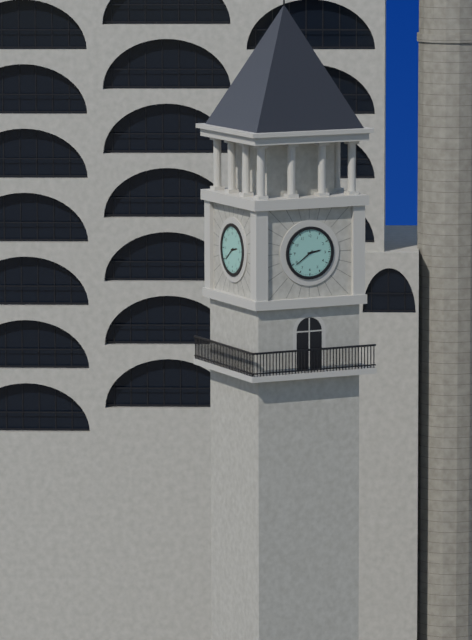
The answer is 2:39
